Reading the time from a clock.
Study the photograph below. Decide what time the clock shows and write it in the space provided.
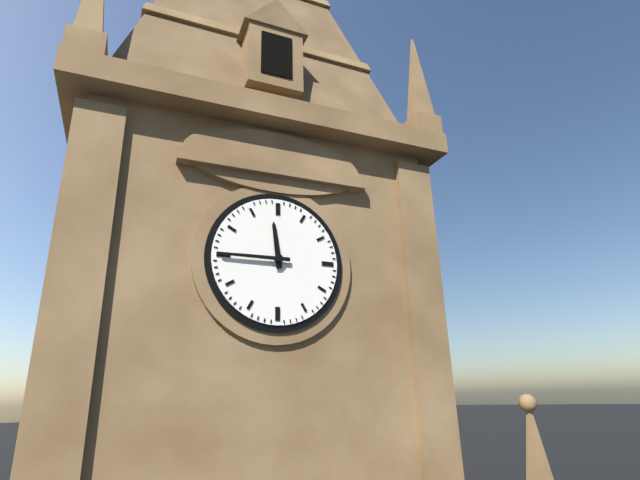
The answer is 11:45
